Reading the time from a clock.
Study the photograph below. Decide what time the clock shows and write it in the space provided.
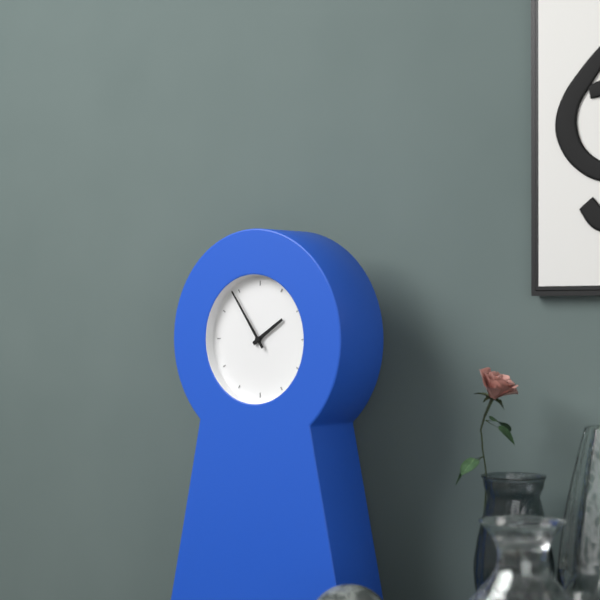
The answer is 1:54
